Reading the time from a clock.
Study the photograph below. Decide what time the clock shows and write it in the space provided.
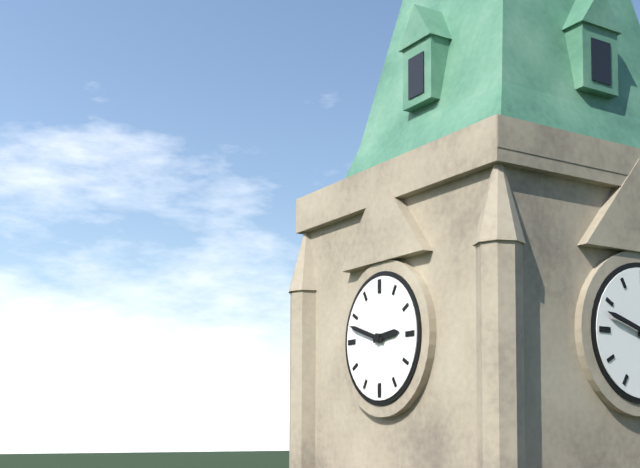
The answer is 2:48
